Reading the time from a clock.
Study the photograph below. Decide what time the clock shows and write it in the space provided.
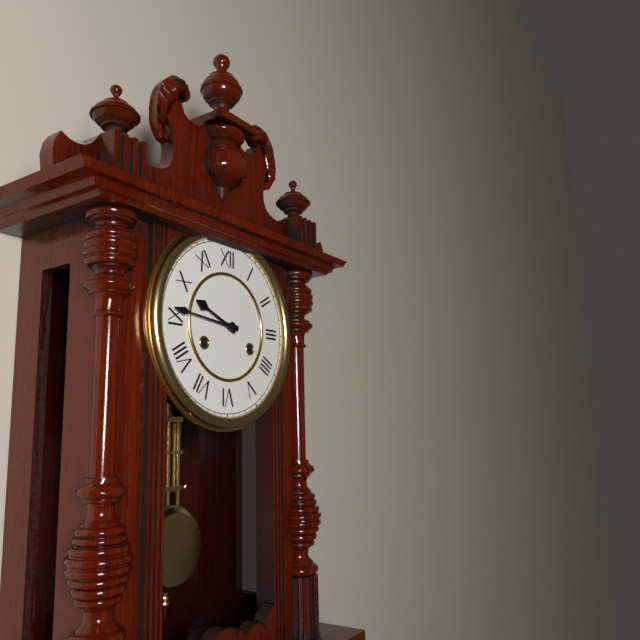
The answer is 9:46
